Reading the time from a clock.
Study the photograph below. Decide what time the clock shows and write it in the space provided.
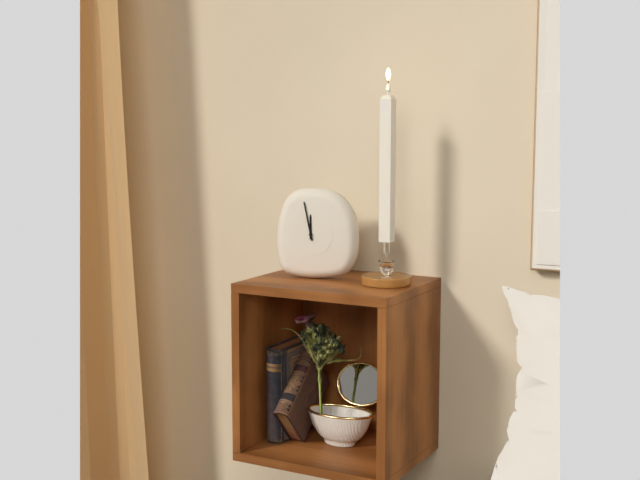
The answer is 11:58
